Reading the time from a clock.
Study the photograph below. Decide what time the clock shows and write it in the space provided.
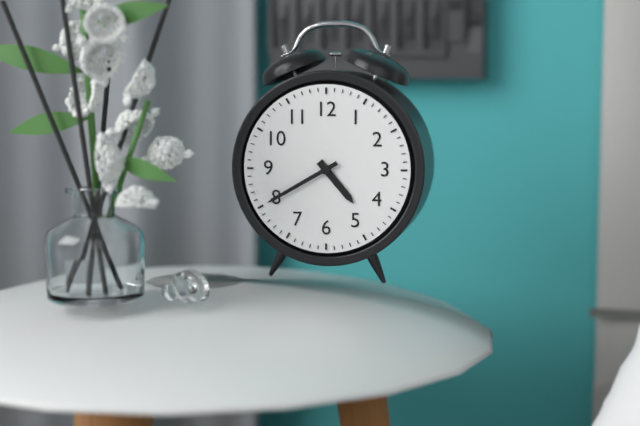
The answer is 4:40
